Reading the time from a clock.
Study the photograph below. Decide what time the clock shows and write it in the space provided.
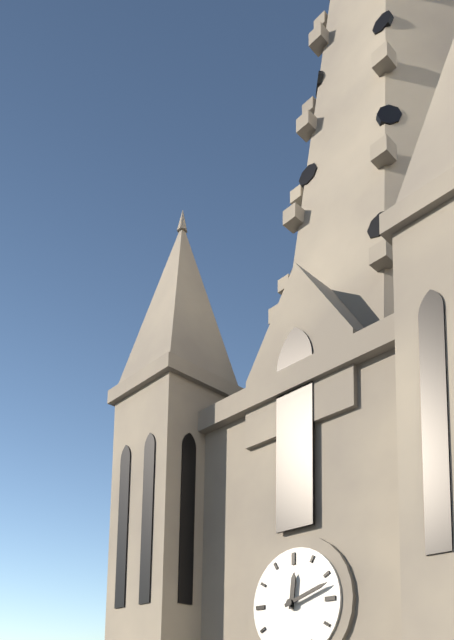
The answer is 12:12
